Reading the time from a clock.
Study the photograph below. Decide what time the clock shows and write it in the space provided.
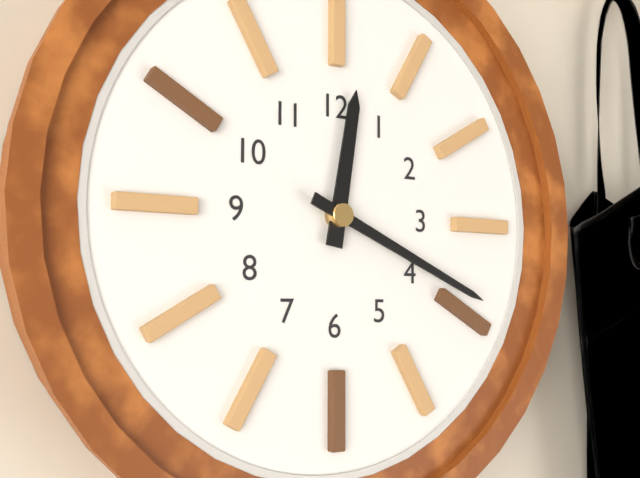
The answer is 12:19
